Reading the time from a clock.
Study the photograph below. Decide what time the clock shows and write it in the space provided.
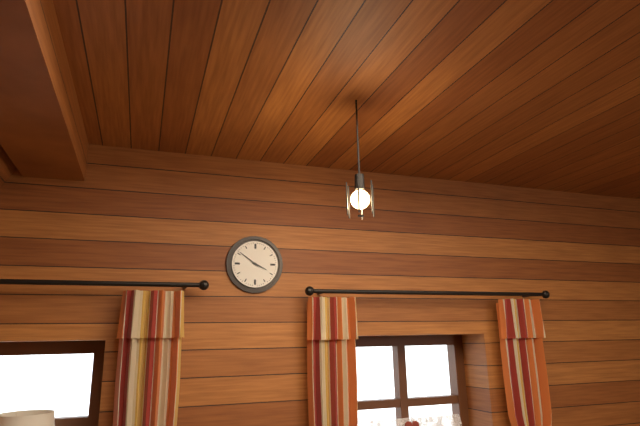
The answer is 3:51
